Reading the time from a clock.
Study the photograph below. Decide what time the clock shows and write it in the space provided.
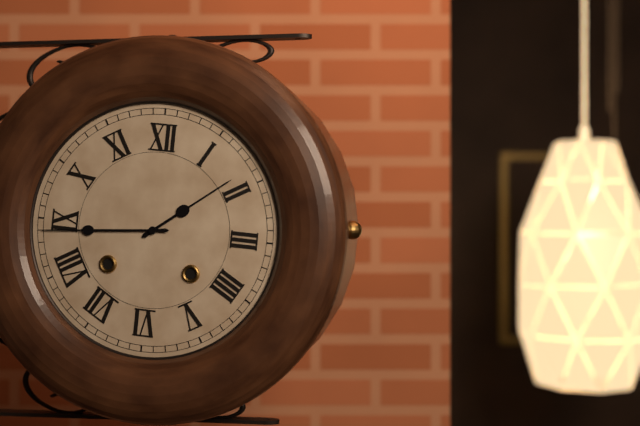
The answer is 1:44
